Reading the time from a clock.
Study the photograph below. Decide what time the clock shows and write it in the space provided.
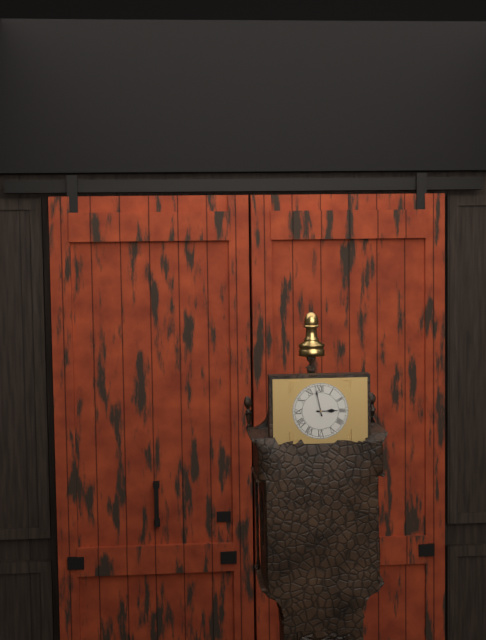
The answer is 2:58
